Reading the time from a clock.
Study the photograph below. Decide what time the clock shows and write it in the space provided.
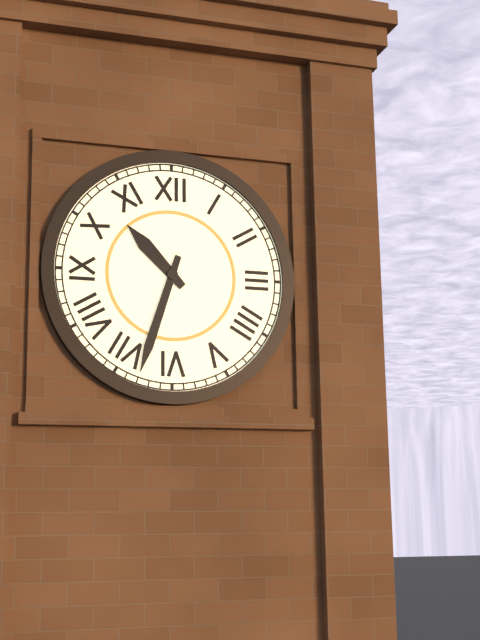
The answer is 10:33
